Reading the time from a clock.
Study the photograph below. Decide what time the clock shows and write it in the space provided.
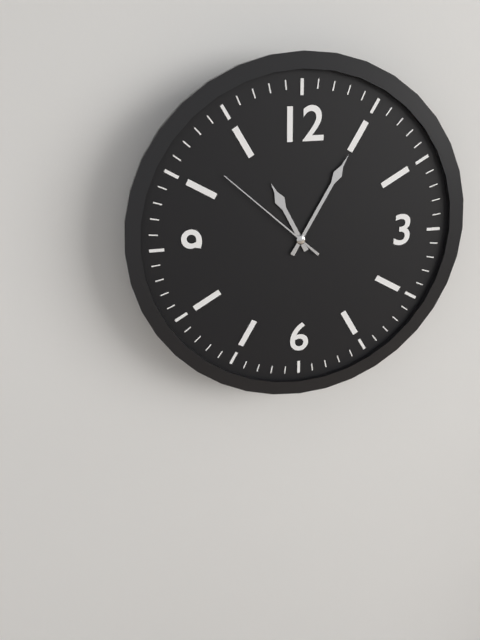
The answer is 11:05:52
